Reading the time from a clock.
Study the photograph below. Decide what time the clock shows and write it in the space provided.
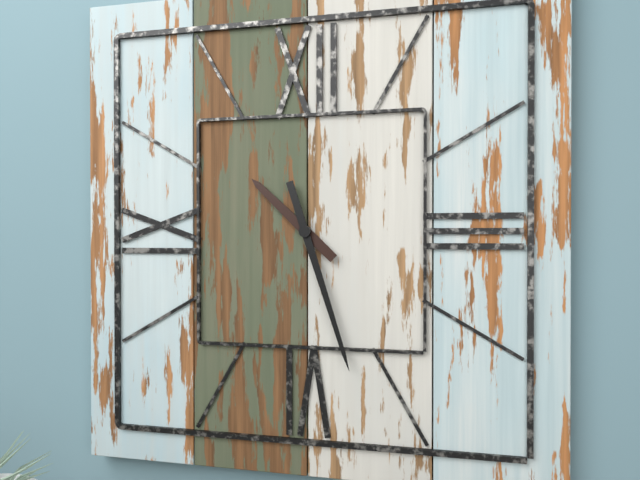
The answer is 10:27
